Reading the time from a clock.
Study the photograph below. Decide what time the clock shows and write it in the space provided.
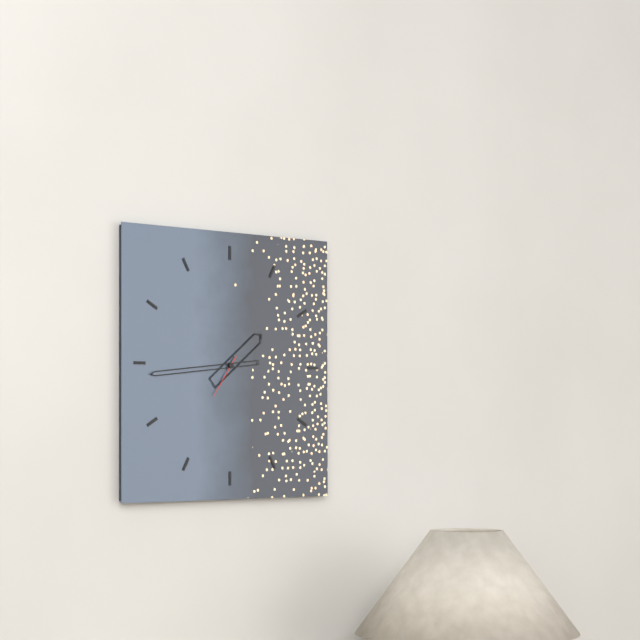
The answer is 1:44
